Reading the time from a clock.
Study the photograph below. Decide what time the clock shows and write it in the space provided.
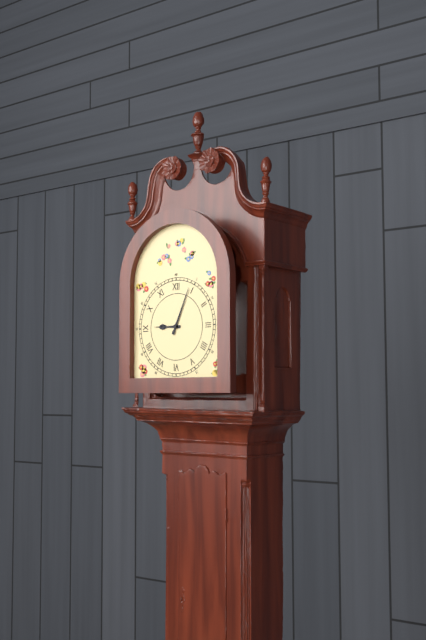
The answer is 9:04
